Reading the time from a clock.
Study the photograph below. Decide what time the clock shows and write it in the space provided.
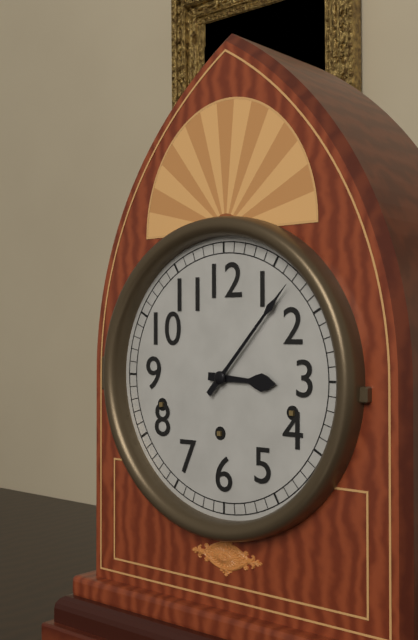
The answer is 3:07
